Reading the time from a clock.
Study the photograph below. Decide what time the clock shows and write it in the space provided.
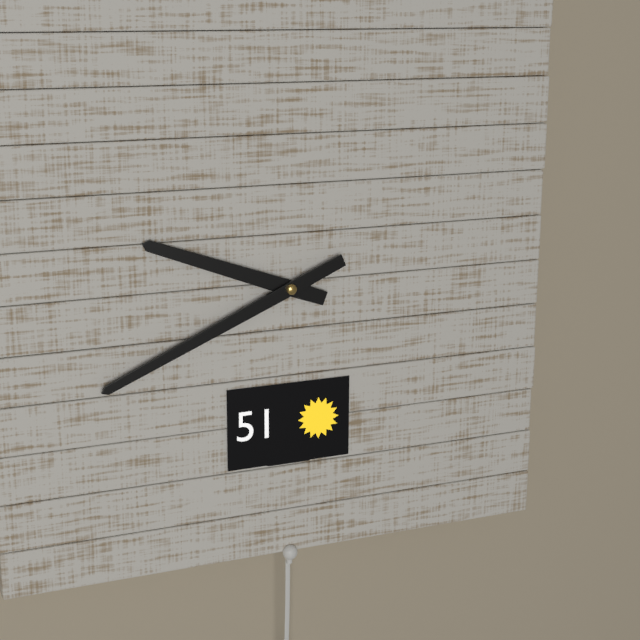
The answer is 9:41
